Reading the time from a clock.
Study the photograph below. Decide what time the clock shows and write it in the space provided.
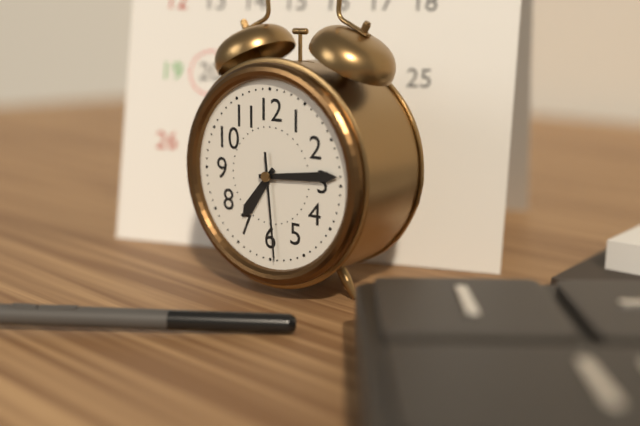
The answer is 7:14:29
